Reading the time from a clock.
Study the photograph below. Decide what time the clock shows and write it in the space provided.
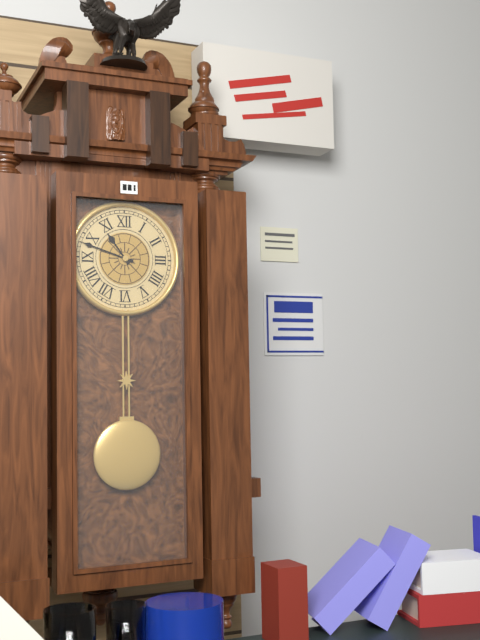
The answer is 10:48
